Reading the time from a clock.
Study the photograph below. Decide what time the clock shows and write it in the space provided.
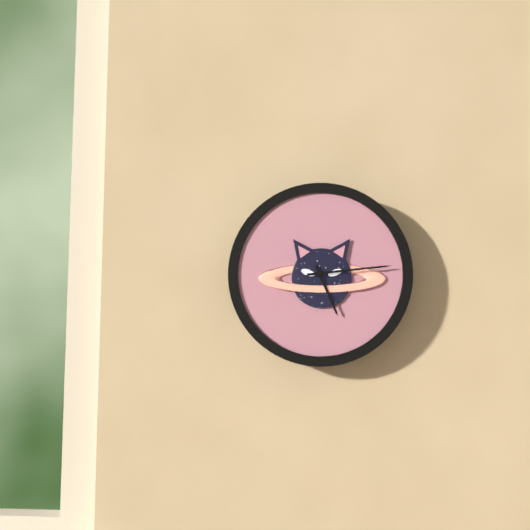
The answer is 5:14
